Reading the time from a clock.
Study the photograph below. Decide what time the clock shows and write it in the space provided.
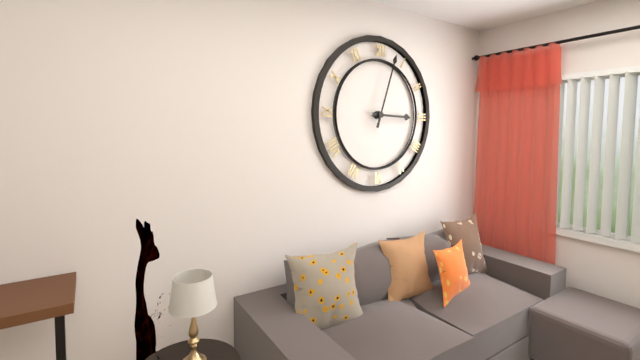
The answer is 3:03
